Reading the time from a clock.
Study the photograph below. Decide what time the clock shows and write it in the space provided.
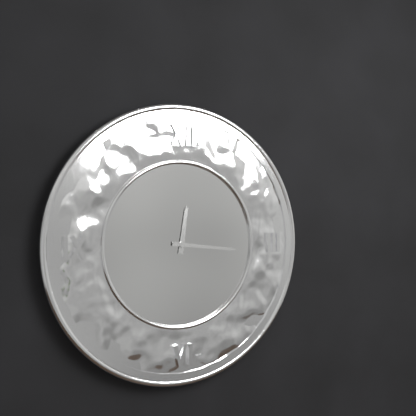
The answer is 12:16
